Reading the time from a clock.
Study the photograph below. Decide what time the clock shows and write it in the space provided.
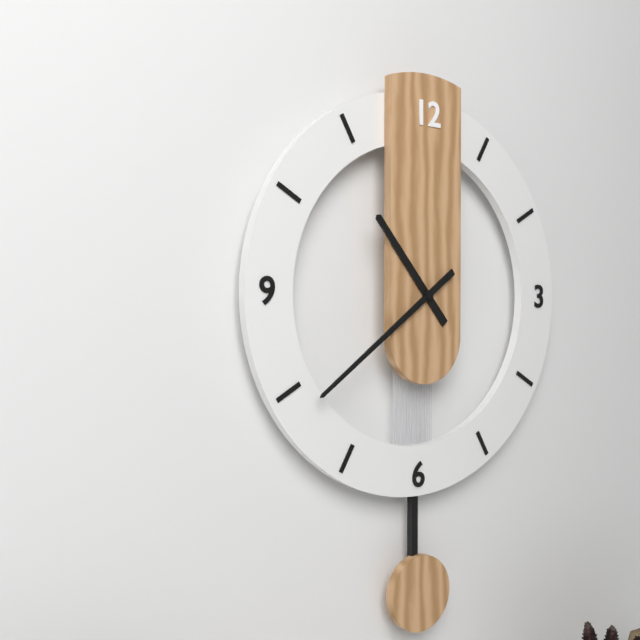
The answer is 10:39
